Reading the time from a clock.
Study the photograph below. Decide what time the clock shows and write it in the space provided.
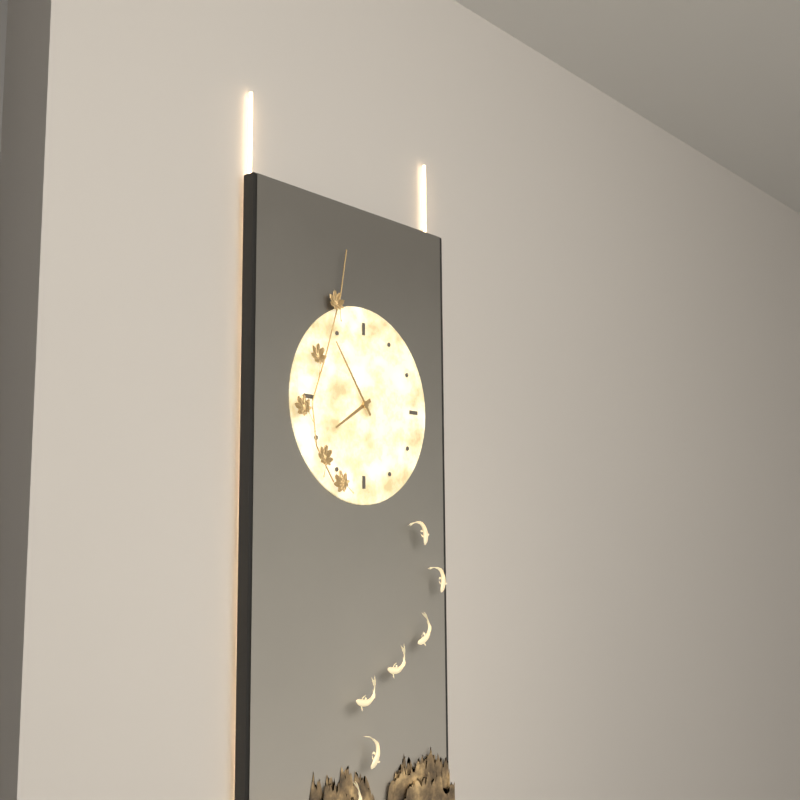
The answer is 7:54
